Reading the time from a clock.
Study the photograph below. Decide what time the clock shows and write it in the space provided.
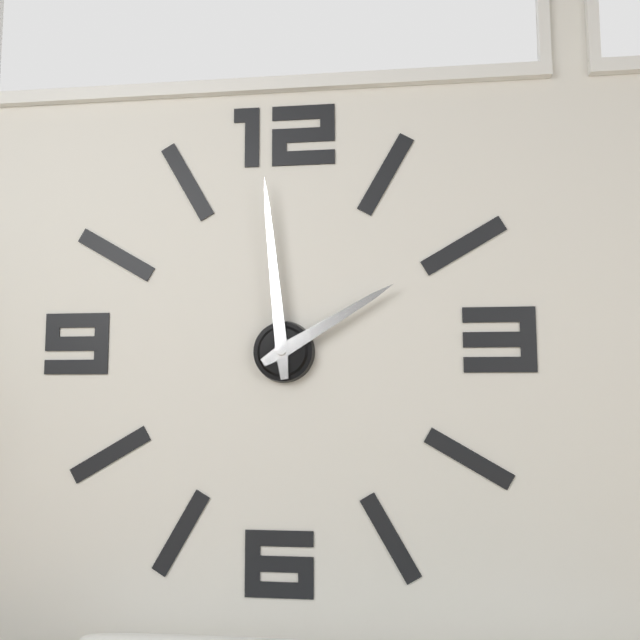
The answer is 1:59
